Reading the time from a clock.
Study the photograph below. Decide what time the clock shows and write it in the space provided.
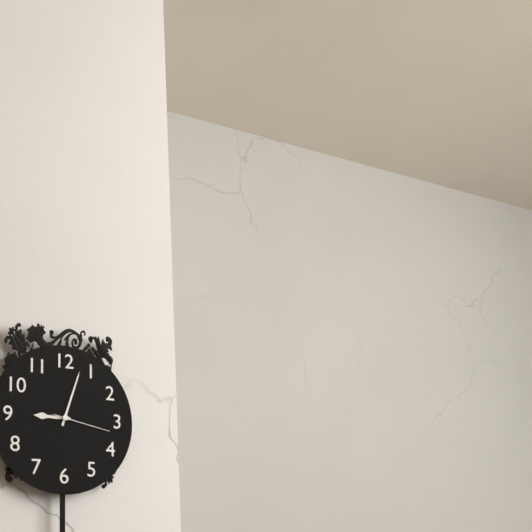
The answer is 9:03:17
